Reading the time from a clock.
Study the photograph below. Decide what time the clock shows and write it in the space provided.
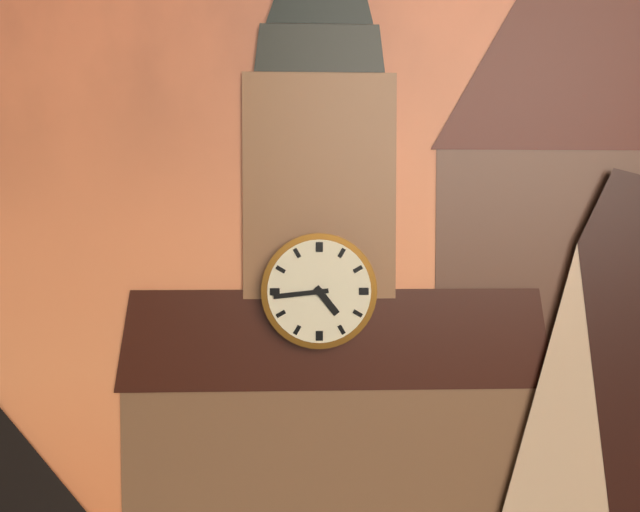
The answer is 4:44
